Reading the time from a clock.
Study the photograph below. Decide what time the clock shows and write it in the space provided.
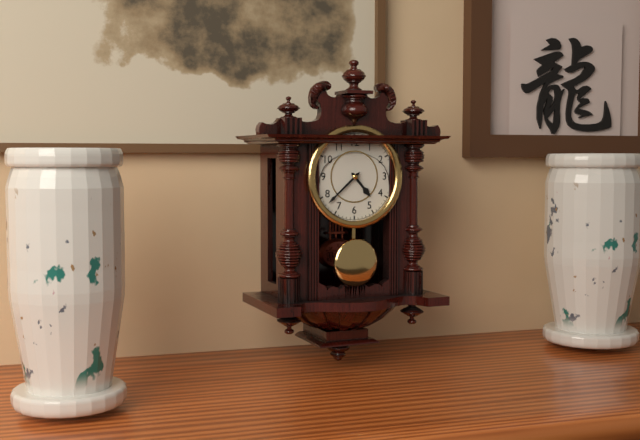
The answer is 4:38
